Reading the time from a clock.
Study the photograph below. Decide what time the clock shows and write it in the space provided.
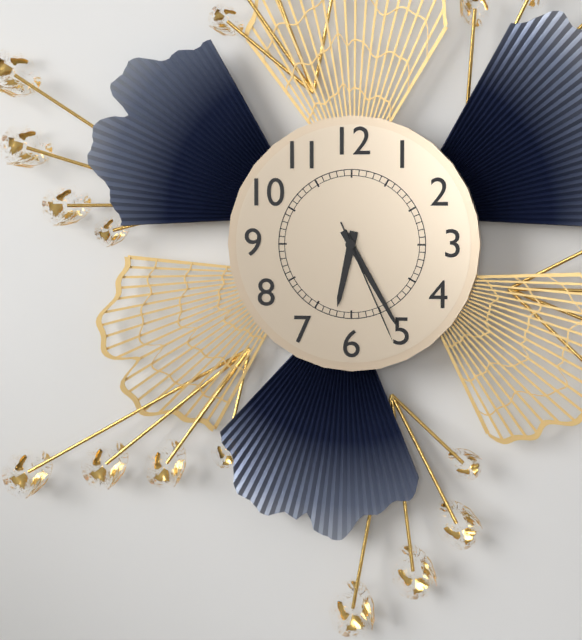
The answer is 6:25:26
